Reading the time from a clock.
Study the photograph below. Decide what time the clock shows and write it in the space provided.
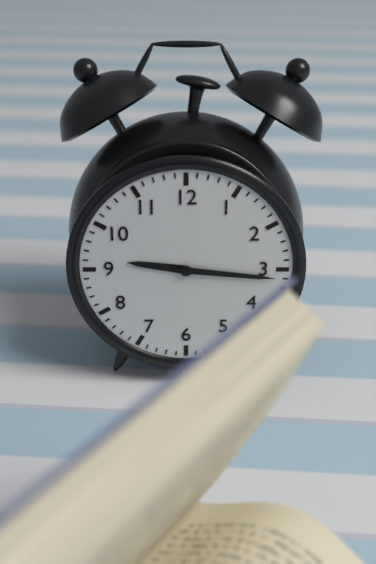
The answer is 9:16
